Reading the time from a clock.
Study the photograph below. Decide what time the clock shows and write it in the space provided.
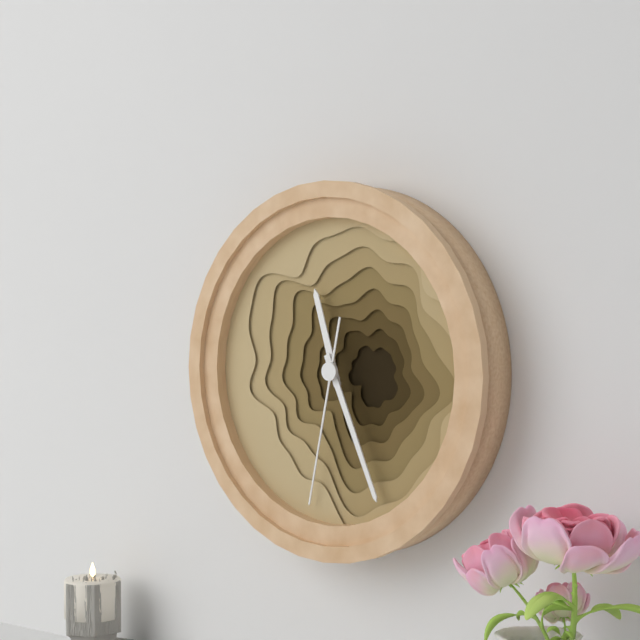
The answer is 11:26:32
